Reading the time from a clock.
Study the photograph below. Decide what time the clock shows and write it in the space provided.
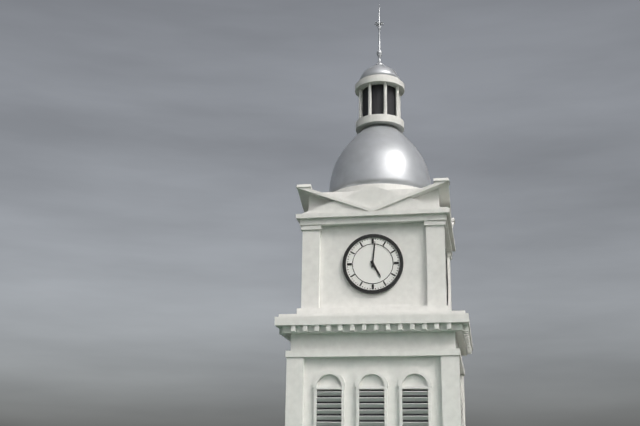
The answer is 5:01
